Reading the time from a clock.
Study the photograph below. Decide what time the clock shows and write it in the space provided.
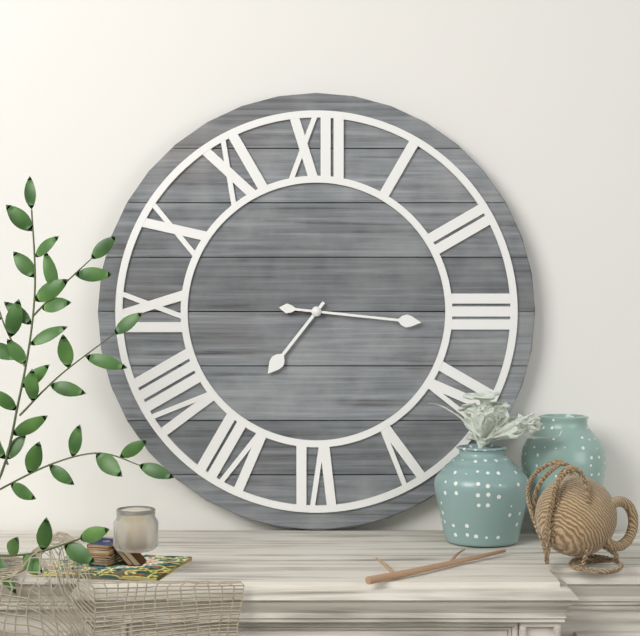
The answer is 7:16
